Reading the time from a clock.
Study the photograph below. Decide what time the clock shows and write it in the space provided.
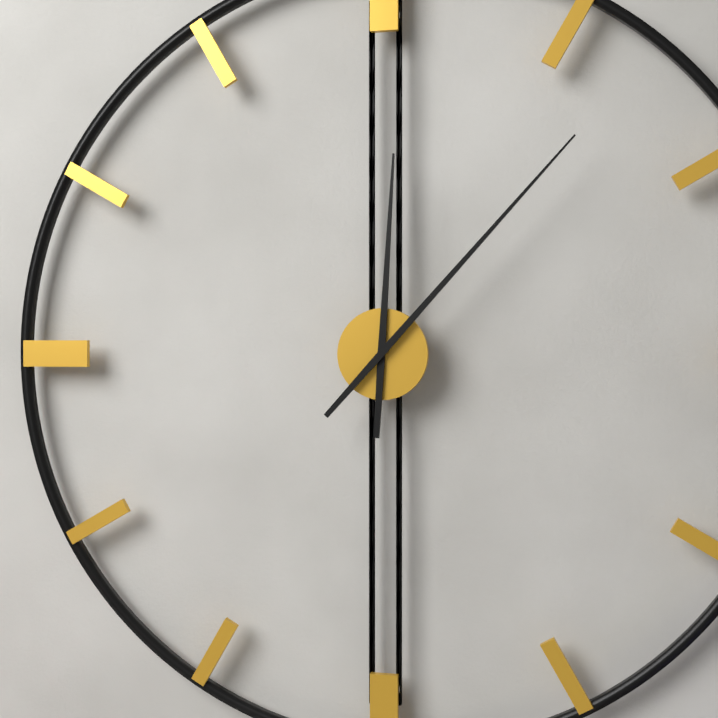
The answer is 12:07
